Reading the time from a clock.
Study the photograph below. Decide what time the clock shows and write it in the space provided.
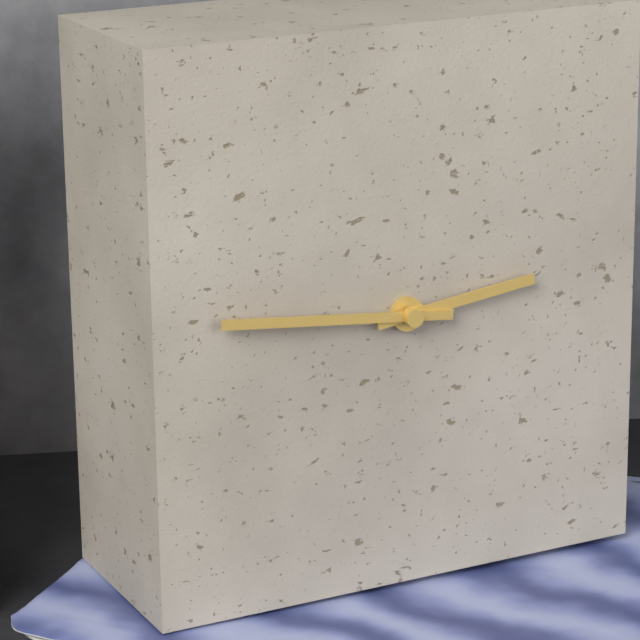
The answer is 2:46
